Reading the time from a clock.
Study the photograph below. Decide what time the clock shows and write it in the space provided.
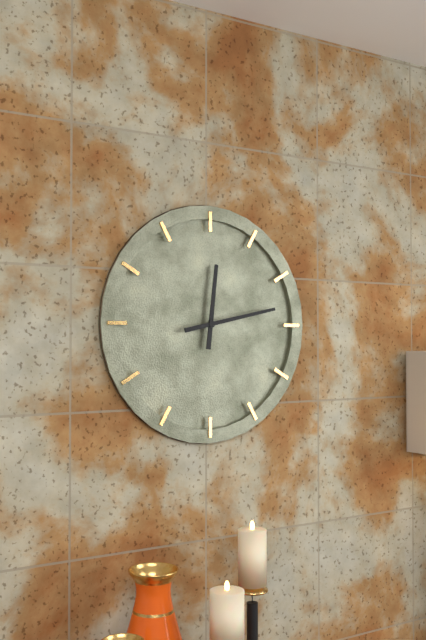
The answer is 12:13
